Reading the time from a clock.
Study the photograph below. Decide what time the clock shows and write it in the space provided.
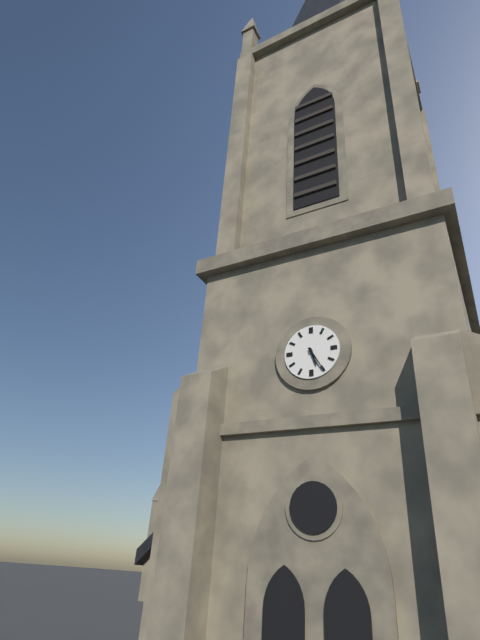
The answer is 5:25
